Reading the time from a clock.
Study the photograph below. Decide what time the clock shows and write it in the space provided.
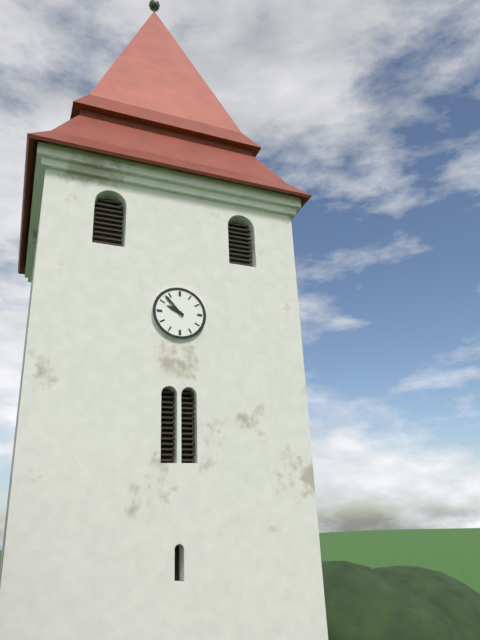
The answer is 9:53
